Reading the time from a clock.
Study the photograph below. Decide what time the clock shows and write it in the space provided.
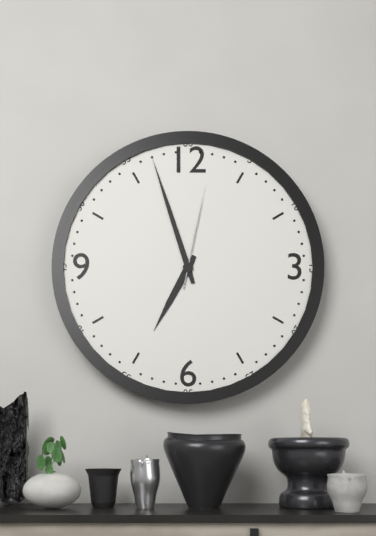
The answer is 6:57:02
